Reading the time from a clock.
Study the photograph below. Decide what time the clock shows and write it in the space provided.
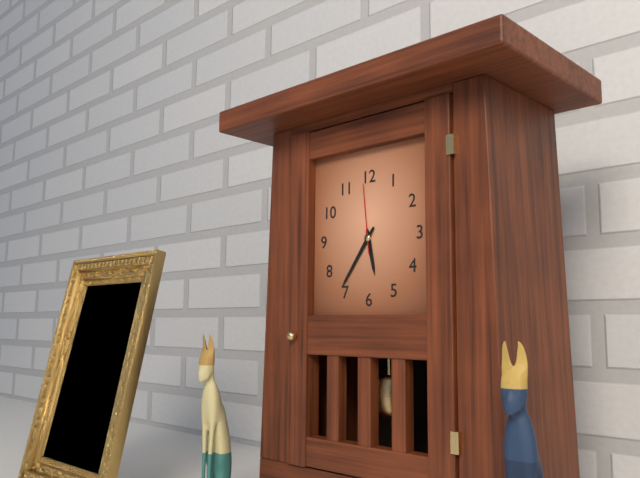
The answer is 5:36:59
